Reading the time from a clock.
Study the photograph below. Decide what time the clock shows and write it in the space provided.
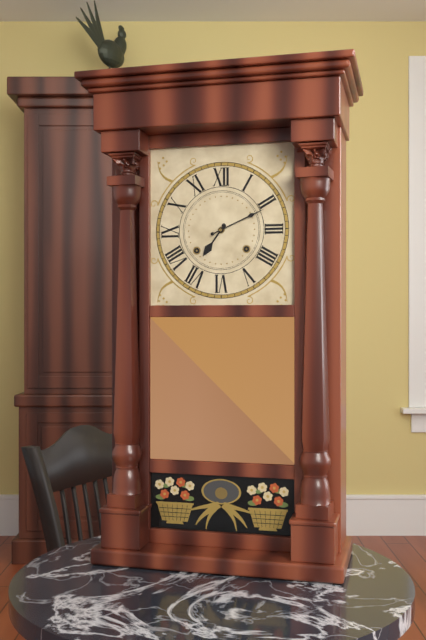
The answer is 7:11
